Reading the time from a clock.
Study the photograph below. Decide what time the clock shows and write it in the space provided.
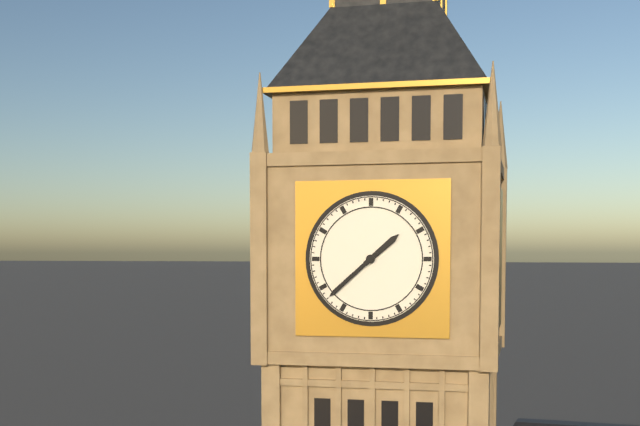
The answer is 1:38
